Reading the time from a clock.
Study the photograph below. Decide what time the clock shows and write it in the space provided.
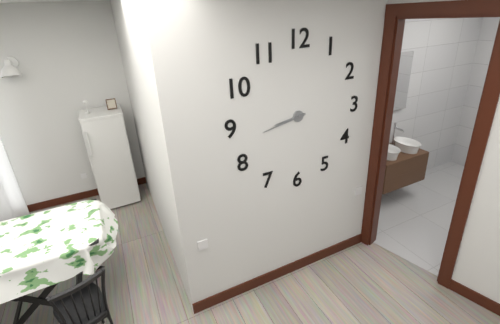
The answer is 8:43
